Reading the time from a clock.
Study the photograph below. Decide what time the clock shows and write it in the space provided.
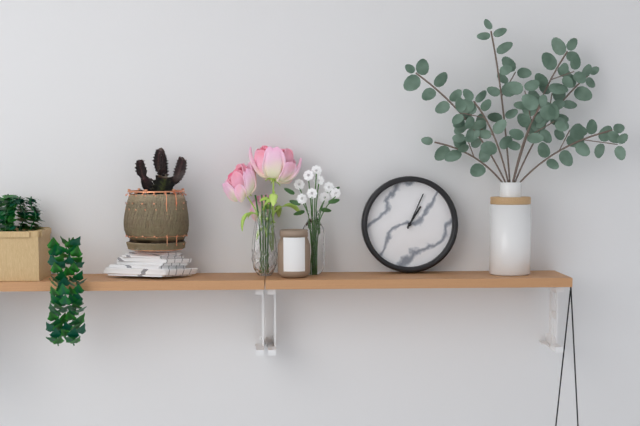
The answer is 1:04
